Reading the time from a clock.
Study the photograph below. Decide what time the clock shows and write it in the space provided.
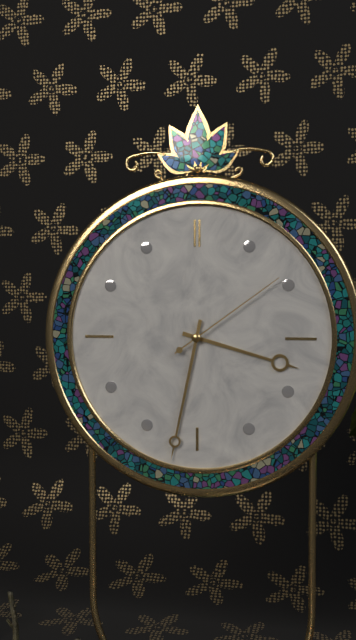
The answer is 3:32:09
